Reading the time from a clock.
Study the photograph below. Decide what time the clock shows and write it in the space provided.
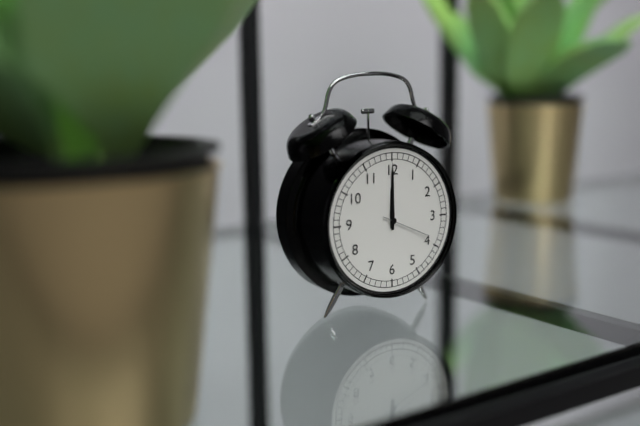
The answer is 12:00
